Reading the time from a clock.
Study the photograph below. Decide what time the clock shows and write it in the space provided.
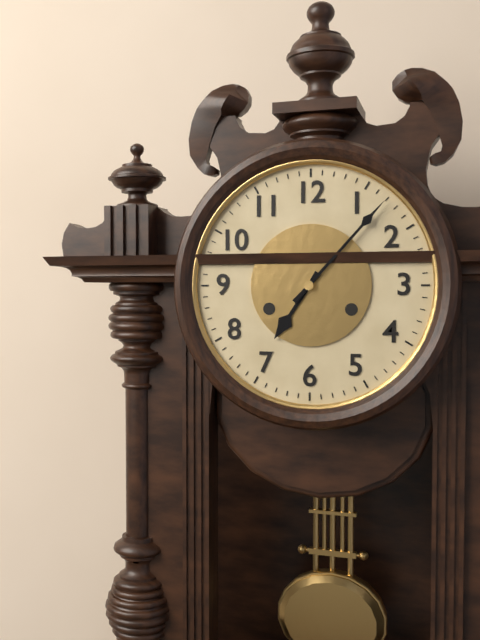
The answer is 7:07
